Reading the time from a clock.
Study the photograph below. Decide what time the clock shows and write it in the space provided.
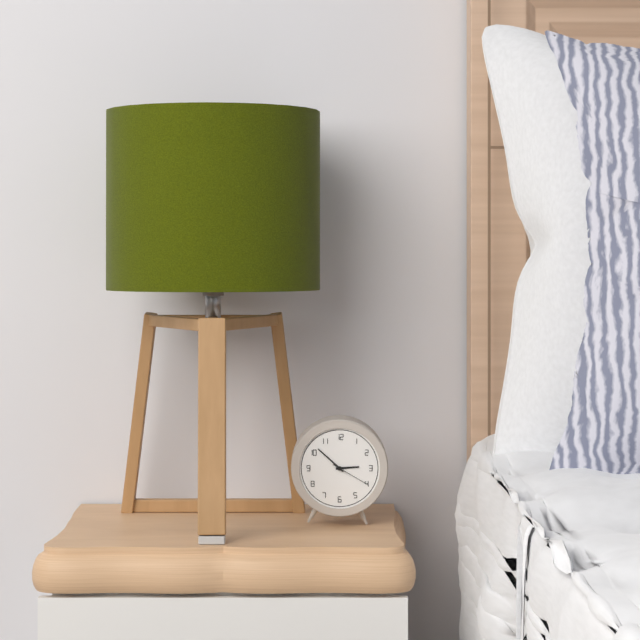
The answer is 2:52
